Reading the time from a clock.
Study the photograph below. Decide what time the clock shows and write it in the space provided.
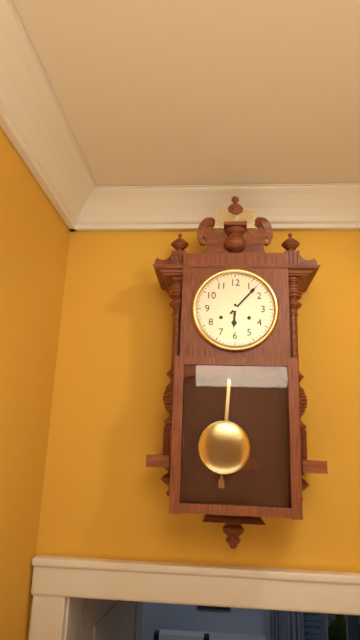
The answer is 6:07
